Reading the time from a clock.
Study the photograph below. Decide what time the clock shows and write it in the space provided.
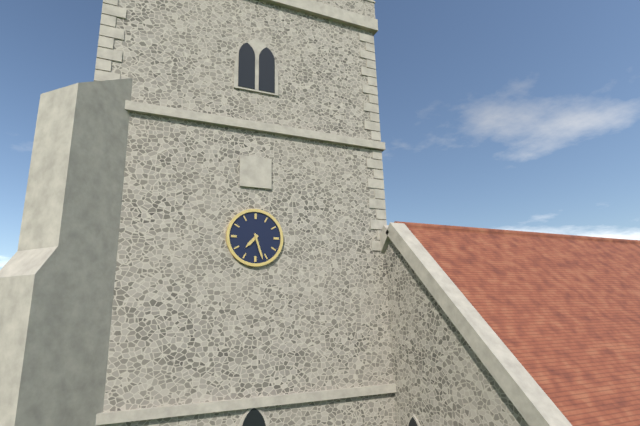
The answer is 7:27
